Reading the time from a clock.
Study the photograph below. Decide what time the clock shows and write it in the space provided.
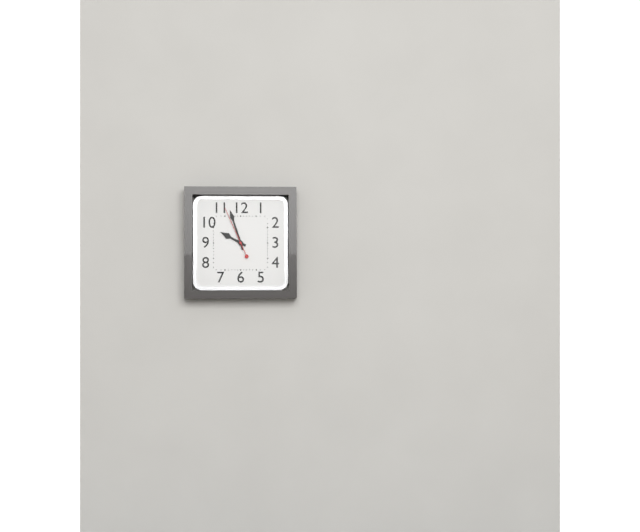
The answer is 9:57
